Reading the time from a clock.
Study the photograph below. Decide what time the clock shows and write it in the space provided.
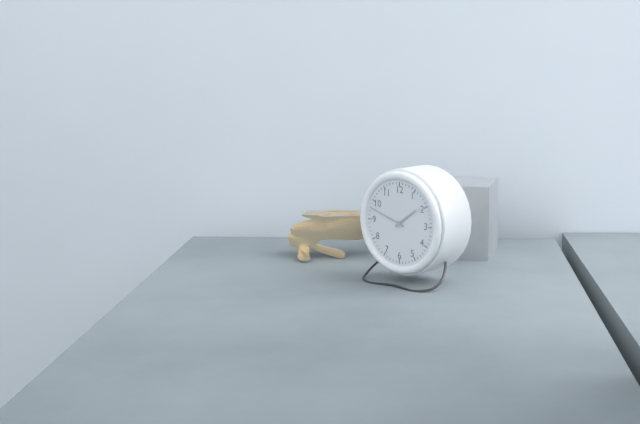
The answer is 1:48
